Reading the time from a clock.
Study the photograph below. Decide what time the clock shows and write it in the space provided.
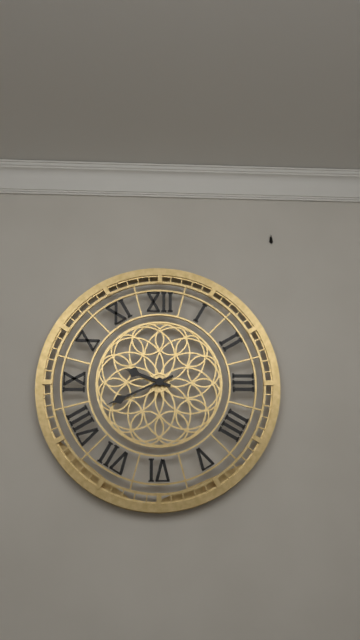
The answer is 9:41
